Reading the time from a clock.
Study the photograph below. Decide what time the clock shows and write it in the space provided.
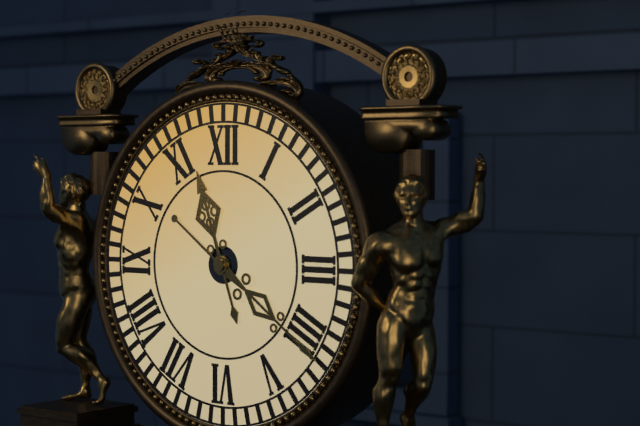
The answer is 11:21
